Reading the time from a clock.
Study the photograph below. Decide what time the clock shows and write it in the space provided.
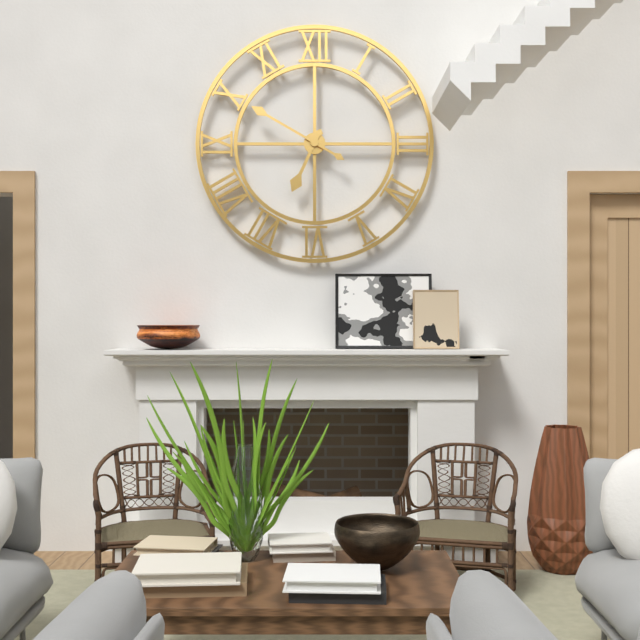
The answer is 6:50
